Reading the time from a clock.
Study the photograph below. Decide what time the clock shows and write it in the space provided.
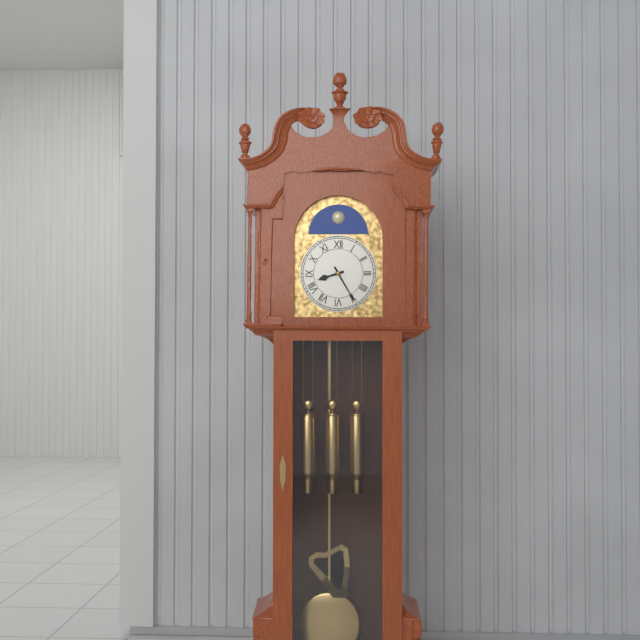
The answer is 8:25
